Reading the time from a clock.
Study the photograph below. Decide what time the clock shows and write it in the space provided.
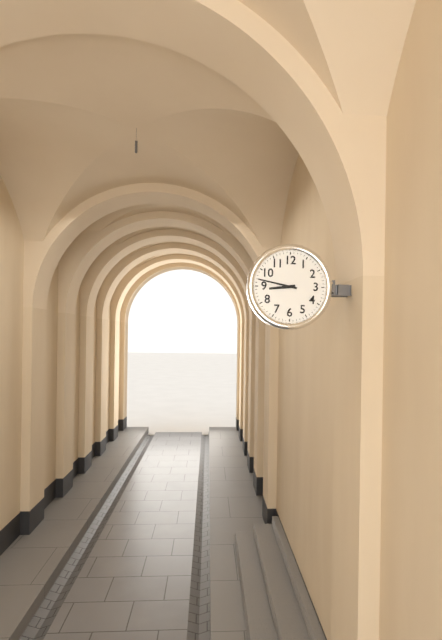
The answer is 8:47
